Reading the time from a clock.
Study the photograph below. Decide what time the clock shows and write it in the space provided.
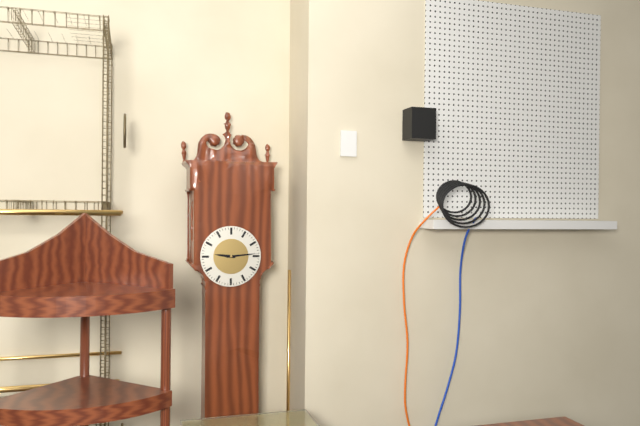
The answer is 9:14
